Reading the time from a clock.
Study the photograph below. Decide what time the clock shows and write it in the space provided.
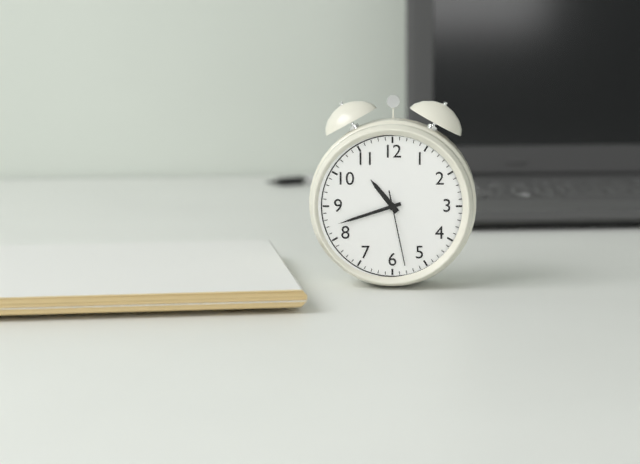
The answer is 10:42:28
